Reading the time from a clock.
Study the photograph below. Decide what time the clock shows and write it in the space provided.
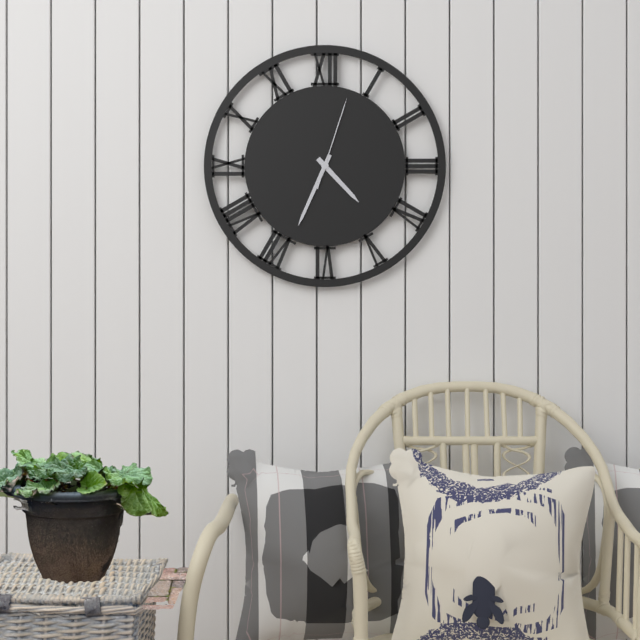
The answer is 4:34:03
